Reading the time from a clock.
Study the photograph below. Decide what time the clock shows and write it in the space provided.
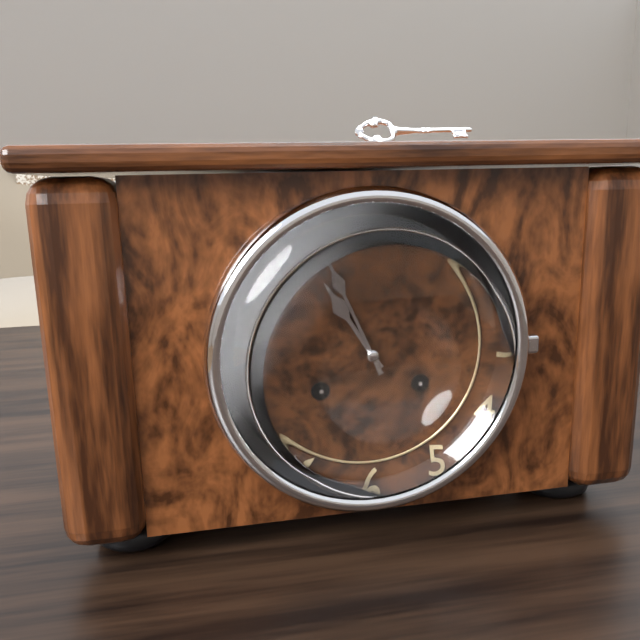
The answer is 10:56
